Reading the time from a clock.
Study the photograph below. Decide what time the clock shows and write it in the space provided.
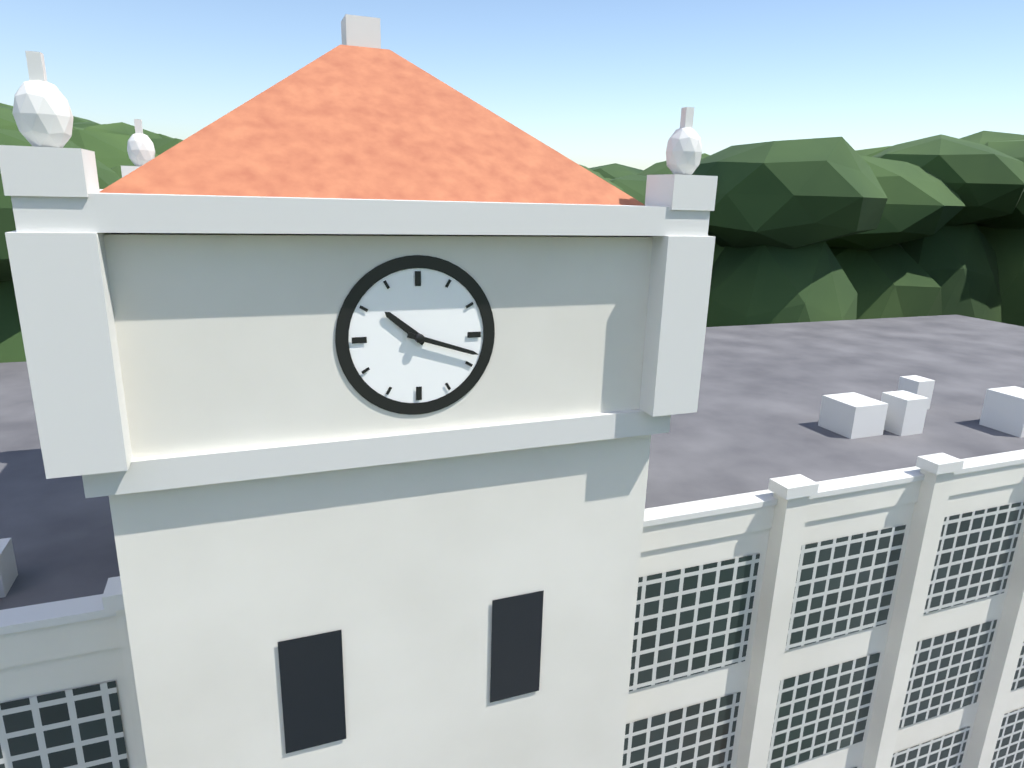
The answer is 10:18
